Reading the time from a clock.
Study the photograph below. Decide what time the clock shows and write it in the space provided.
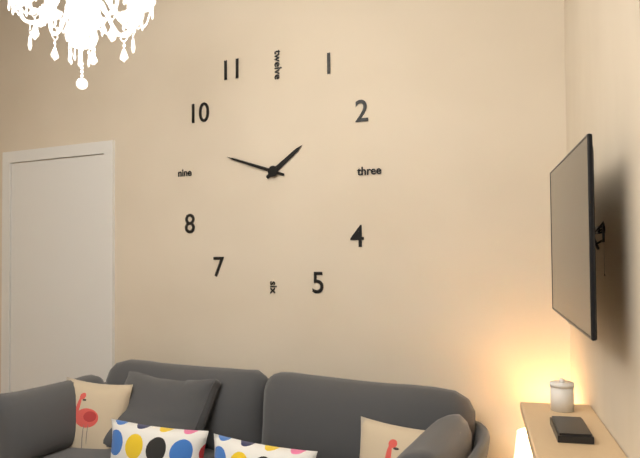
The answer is 1:48
